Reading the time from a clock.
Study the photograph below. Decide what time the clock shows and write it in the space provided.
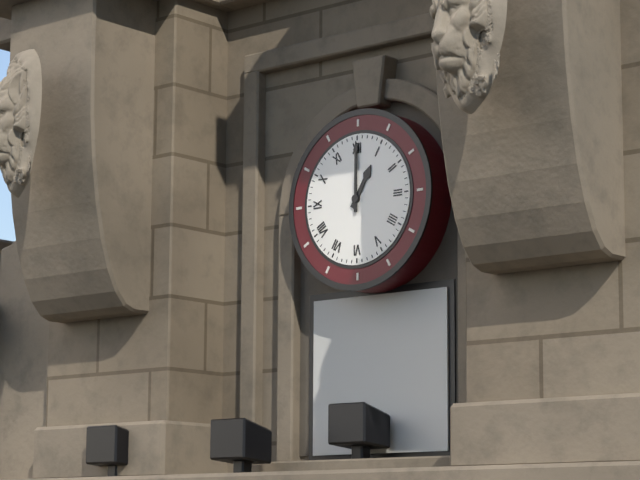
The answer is 1:00
